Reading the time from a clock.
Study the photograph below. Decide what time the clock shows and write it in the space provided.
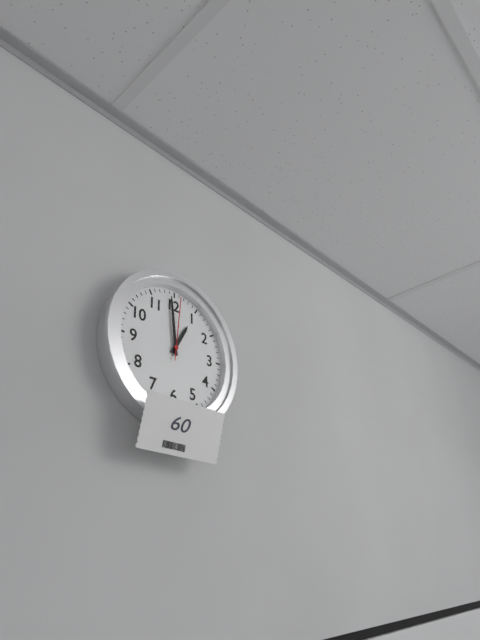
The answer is 12:59:01
